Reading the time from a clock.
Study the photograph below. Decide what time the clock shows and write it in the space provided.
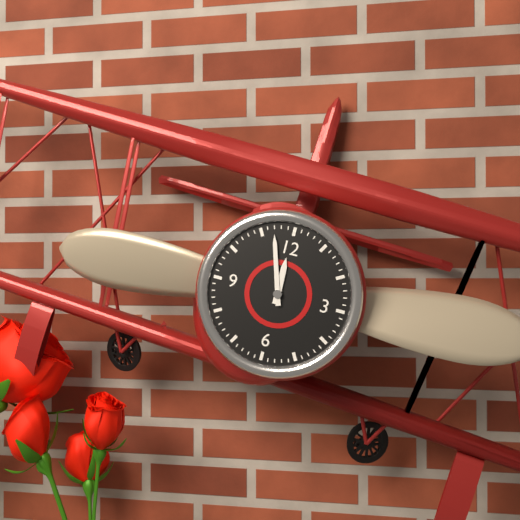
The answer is 11:57
